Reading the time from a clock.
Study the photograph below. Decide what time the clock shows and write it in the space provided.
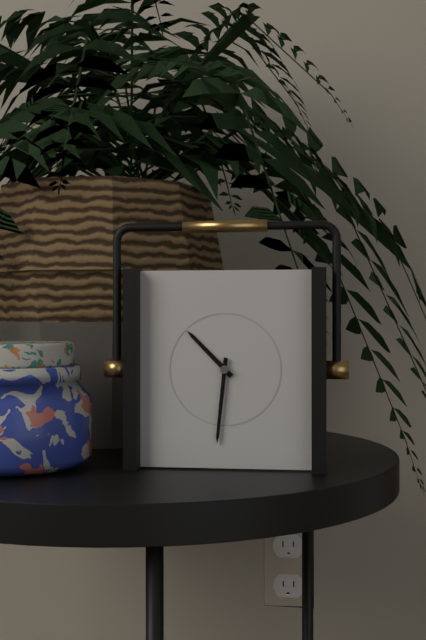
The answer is 10:31
